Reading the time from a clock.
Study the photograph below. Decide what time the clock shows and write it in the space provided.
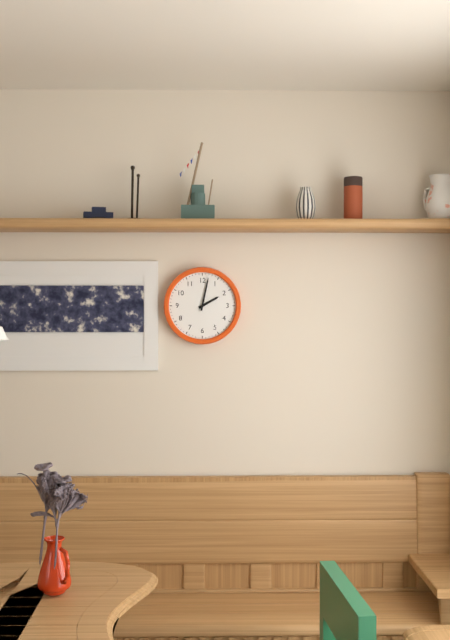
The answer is 2:02
